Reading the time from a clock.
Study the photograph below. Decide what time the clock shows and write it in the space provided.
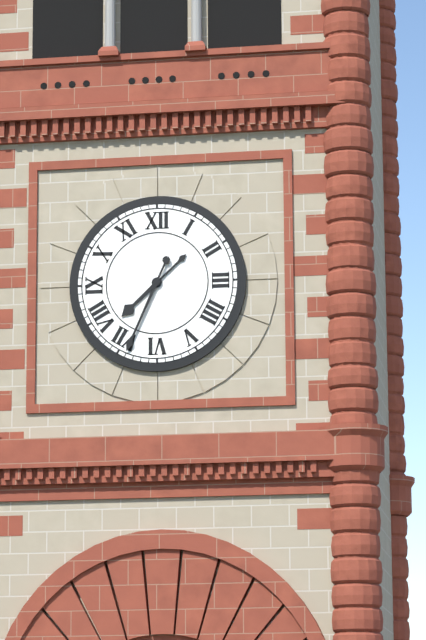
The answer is 7:34
